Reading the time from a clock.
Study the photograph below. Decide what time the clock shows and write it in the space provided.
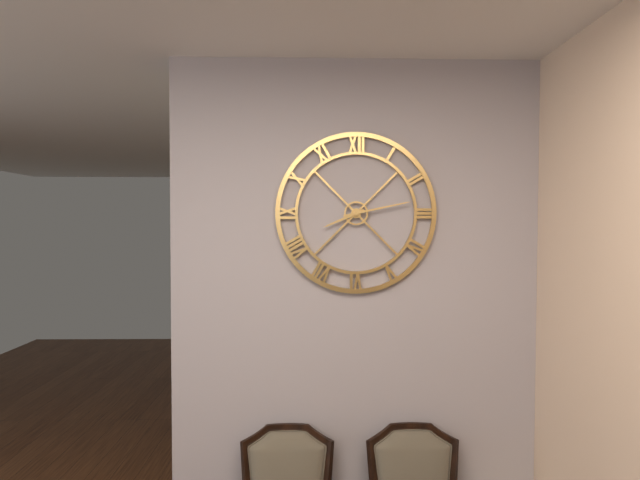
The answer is 8:13
